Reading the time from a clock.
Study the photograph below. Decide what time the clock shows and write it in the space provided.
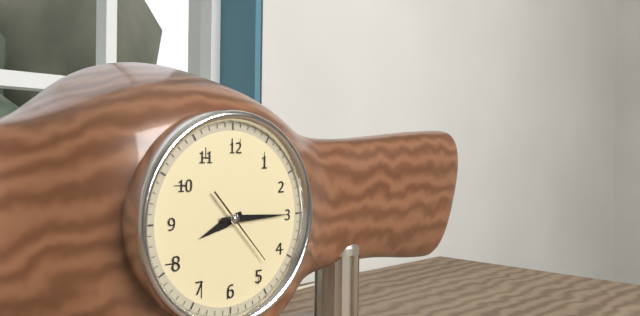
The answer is 8:15:23
